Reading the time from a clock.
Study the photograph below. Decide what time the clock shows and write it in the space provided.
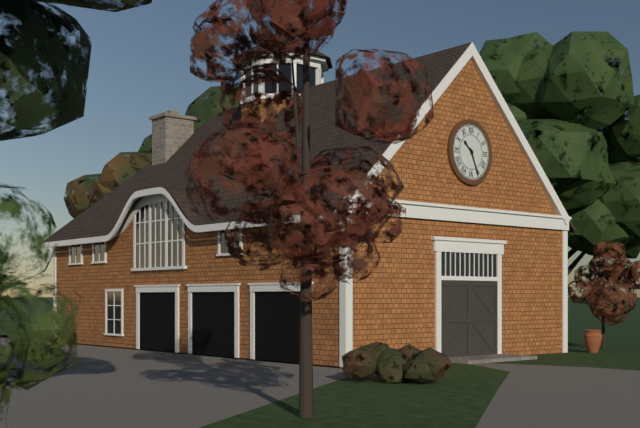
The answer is 10:26
